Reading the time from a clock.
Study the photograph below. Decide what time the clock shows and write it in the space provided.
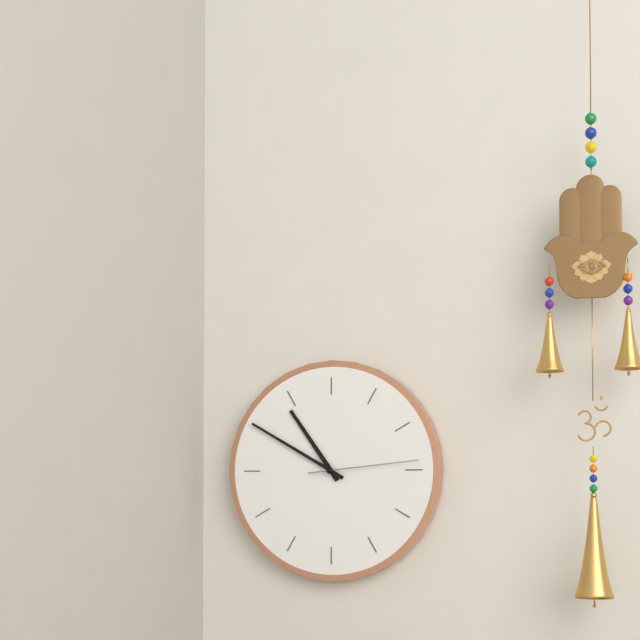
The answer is 10:50:14
